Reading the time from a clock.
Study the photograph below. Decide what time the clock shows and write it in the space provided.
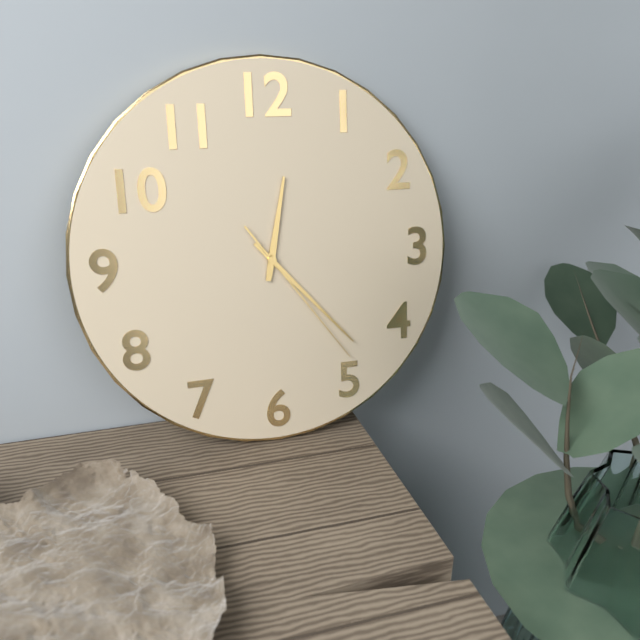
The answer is 12:23:24
